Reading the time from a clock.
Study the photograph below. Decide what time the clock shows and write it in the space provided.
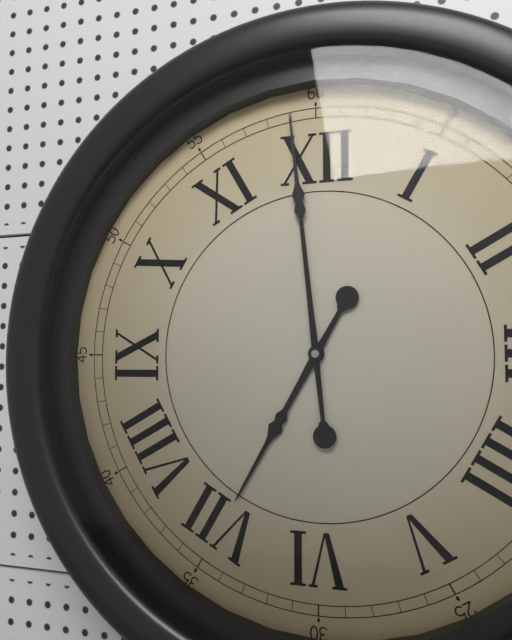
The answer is 6:59
